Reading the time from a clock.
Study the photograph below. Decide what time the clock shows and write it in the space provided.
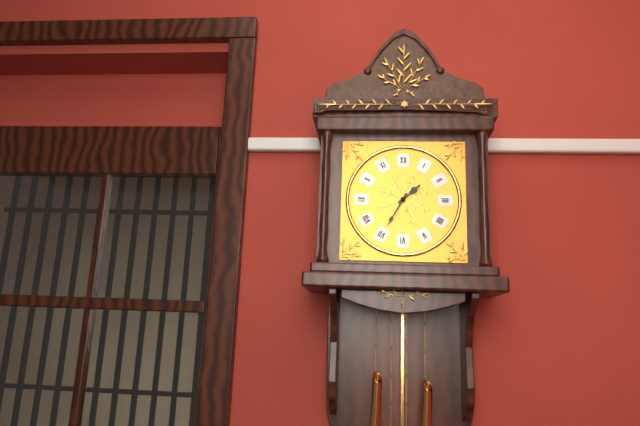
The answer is 1:35
